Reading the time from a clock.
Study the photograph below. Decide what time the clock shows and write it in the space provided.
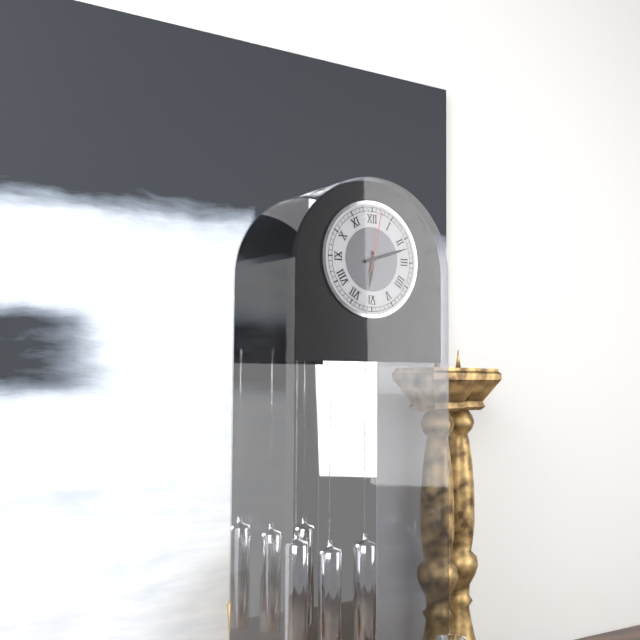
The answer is 6:12:02
